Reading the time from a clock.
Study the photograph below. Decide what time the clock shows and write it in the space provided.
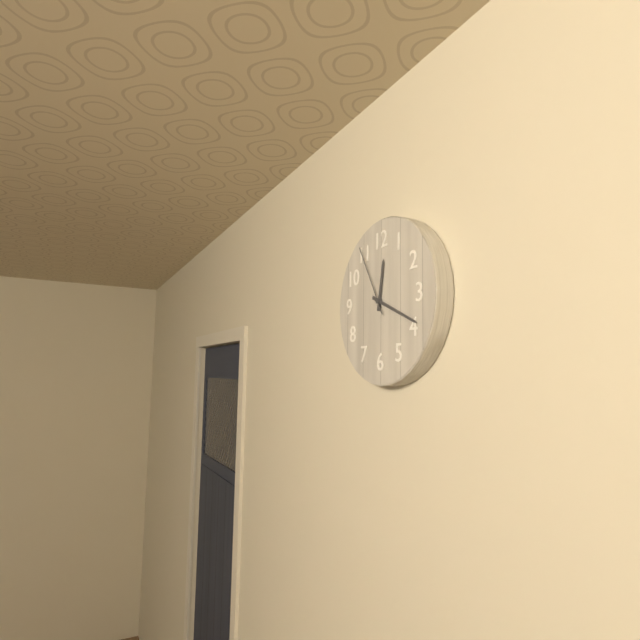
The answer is 12:19:55
